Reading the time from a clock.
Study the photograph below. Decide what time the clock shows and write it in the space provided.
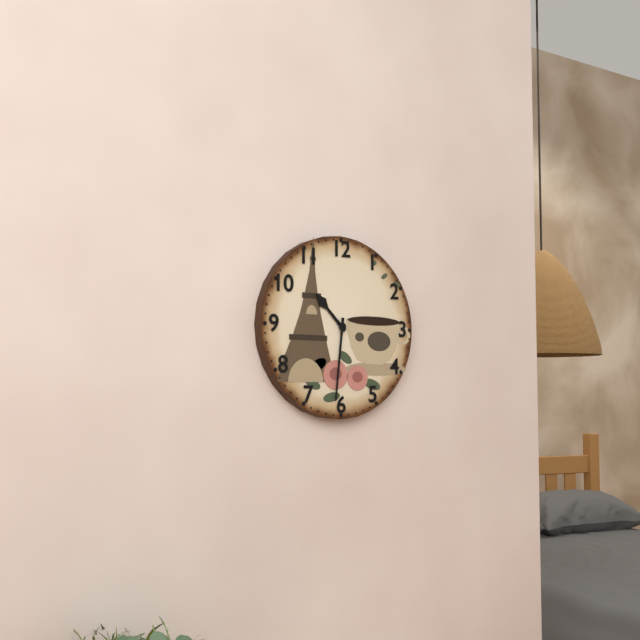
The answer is 10:31
